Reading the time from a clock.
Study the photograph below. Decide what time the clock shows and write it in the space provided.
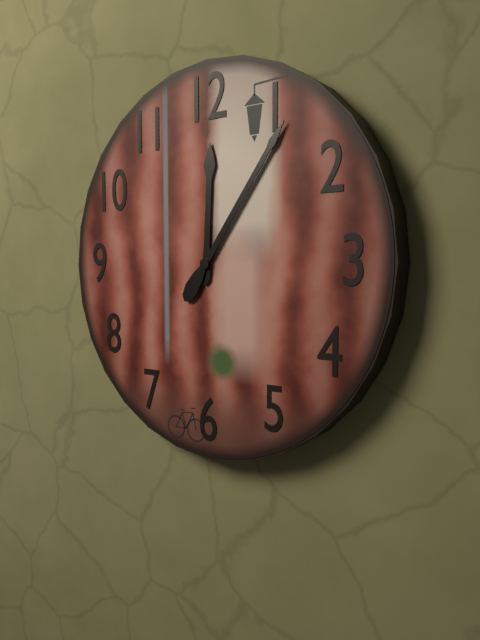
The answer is 12:06
